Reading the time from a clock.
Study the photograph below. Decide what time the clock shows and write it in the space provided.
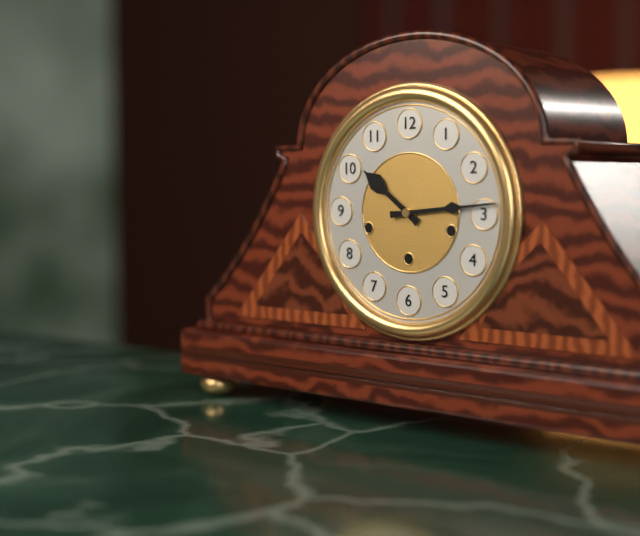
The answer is 10:14
